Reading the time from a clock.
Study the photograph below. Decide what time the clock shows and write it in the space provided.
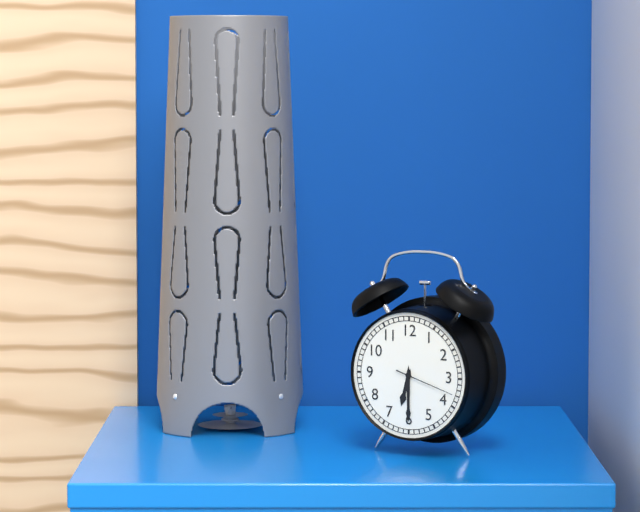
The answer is 6:30:18
